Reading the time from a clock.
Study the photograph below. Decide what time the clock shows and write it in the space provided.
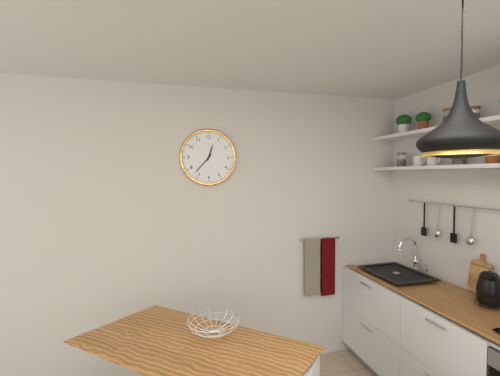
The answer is 12:37
